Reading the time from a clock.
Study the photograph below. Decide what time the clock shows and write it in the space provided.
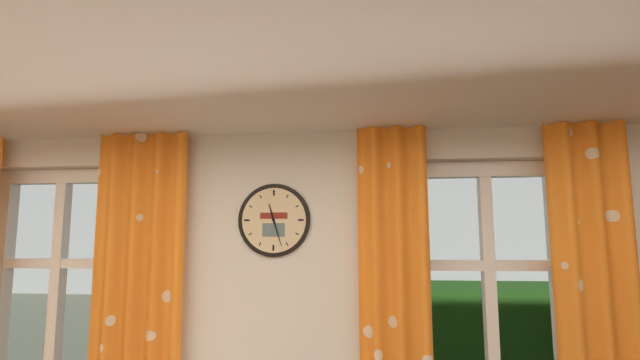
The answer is 11:27
